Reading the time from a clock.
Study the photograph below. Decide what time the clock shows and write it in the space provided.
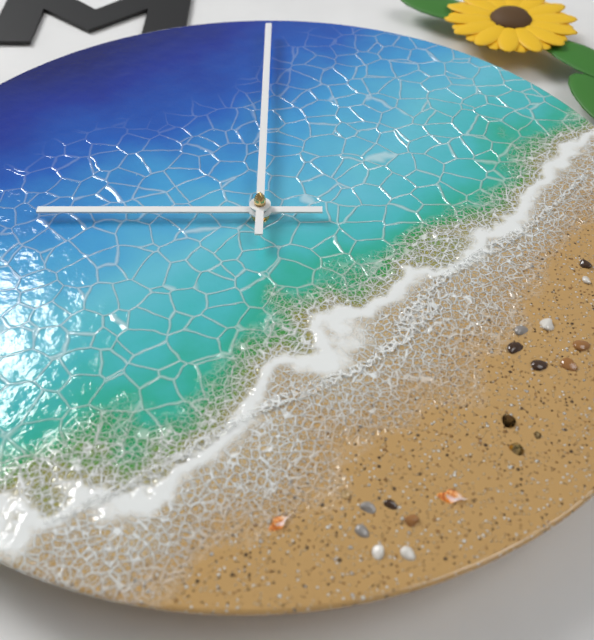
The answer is 9:00
